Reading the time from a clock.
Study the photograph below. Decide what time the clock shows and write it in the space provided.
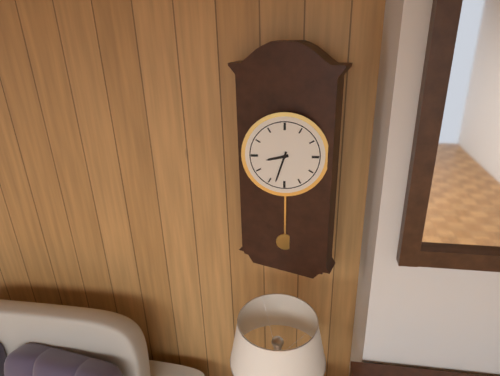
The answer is 8:33
